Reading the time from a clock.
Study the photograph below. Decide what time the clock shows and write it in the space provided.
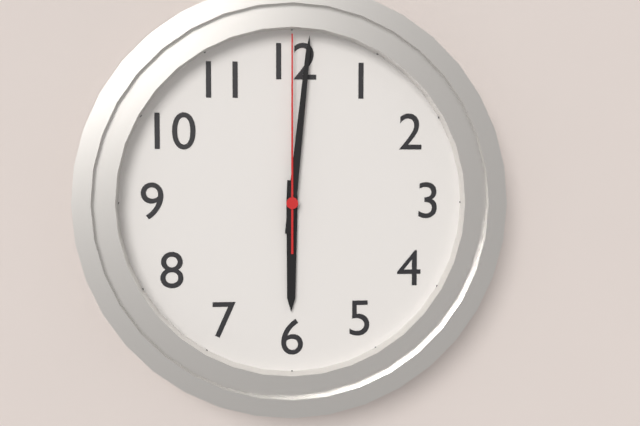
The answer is 6:01:00
